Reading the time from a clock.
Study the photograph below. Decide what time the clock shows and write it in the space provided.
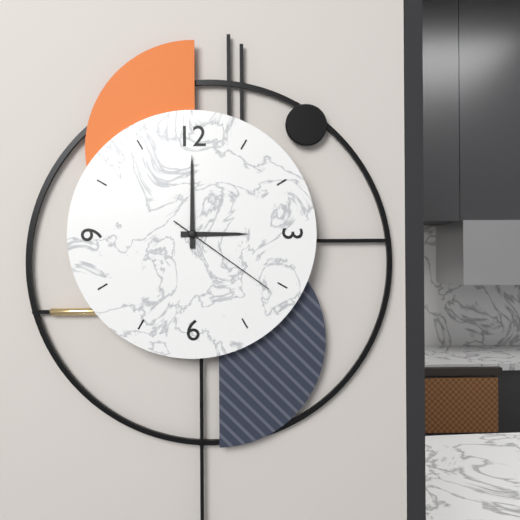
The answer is 3:00:21
